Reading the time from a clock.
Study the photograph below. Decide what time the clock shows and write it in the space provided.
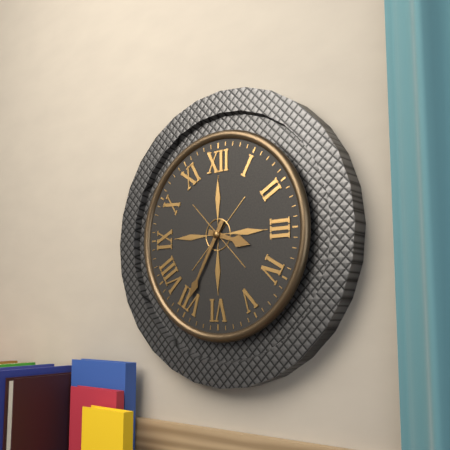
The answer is 3:35
